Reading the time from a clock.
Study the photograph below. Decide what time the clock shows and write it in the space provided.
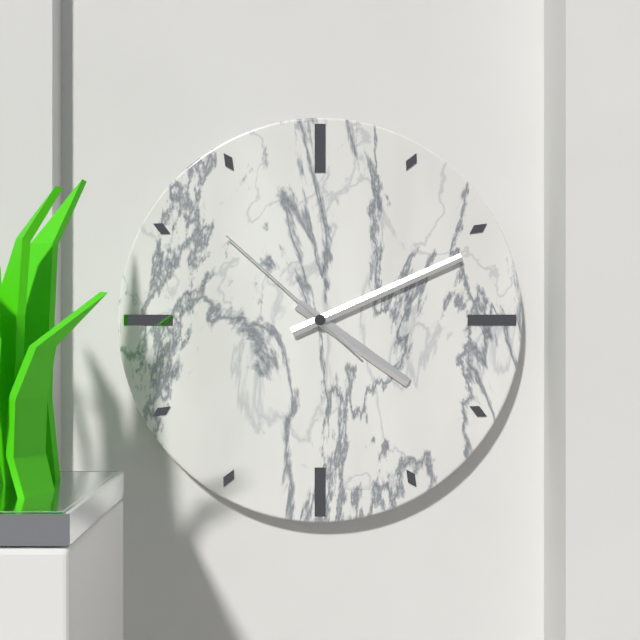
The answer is 4:11:52
